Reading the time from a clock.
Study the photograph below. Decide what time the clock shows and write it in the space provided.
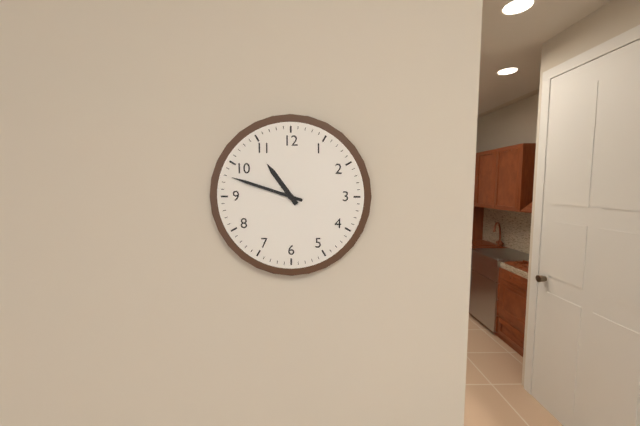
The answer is 10:48
